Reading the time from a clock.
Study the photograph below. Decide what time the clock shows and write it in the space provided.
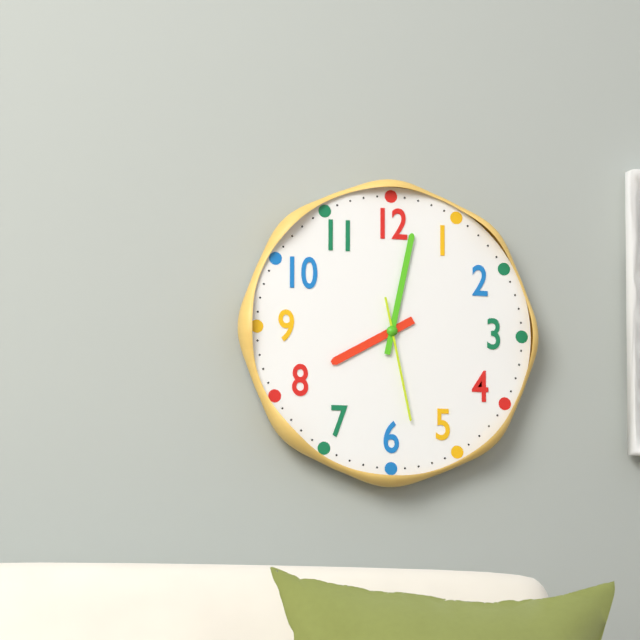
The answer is 8:02:28
